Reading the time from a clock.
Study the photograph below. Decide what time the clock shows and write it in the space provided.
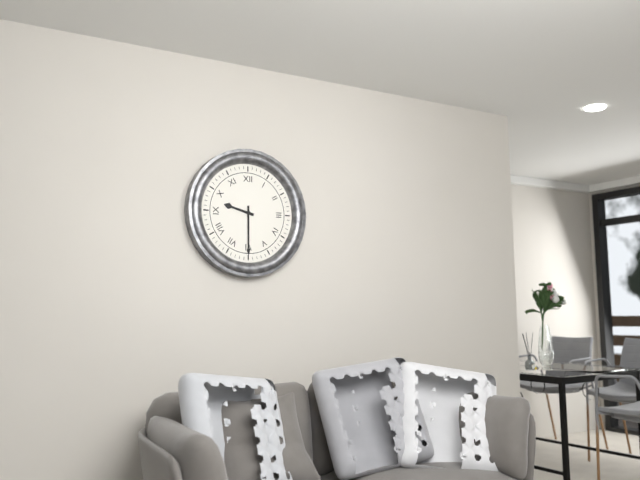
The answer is 9:30
